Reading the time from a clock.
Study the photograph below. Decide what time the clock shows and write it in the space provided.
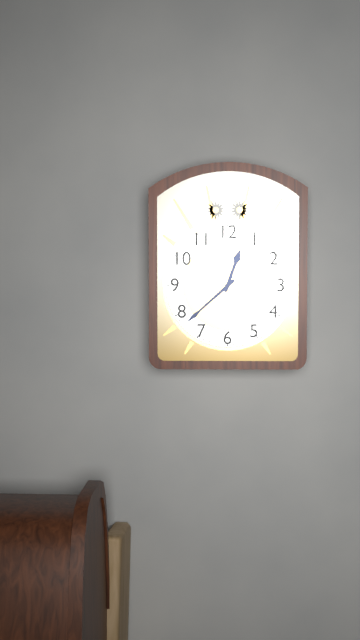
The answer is 12:38
